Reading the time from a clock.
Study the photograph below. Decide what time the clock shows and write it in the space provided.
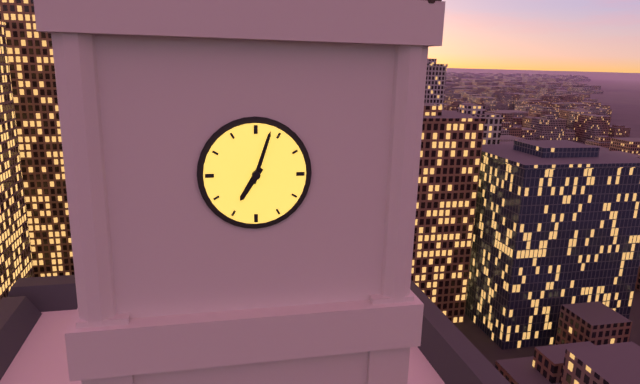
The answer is 7:03
